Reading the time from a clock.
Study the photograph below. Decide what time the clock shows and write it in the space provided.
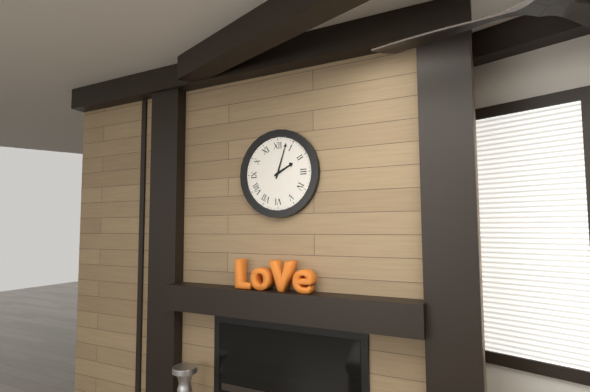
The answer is 2:03
